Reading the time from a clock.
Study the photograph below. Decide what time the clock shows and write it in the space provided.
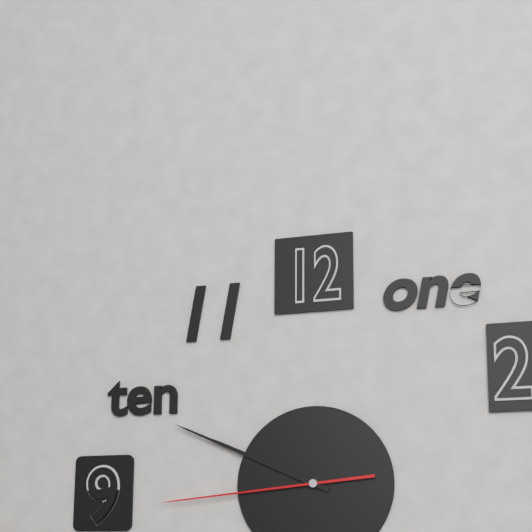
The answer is 9:49:44
